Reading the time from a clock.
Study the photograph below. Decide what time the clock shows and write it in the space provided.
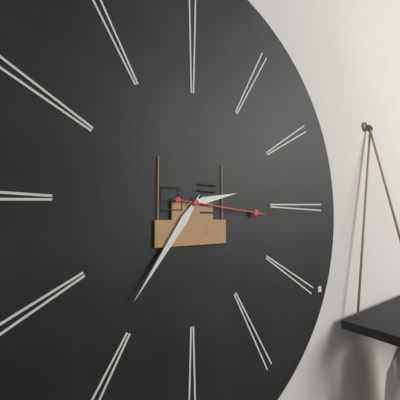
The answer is 2:36:16
